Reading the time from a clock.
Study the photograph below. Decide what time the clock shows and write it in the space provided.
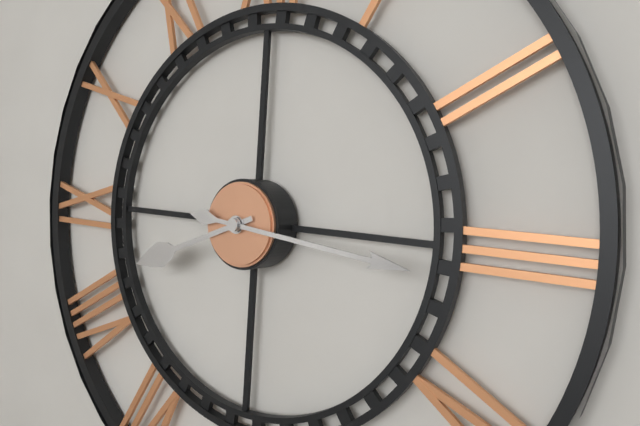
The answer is 8:16
